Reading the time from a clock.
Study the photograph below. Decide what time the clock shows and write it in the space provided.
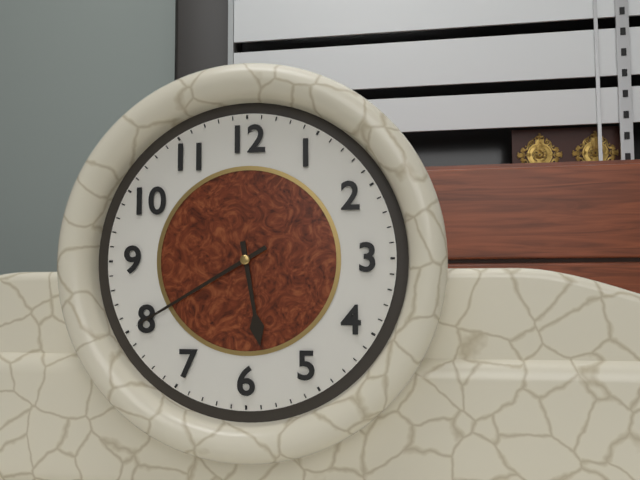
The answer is 5:40
